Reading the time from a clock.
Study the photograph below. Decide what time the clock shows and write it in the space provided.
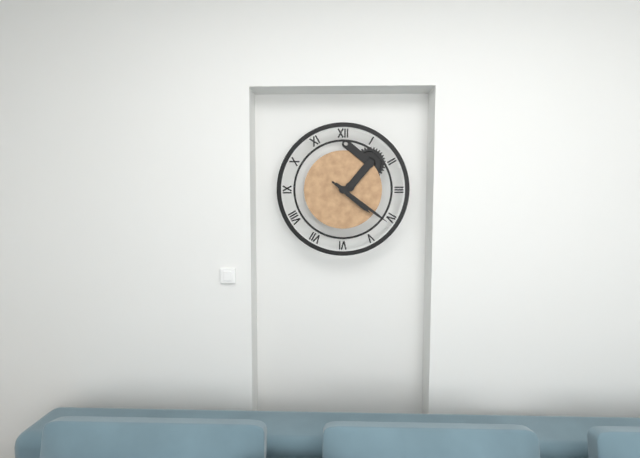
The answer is 4:21
